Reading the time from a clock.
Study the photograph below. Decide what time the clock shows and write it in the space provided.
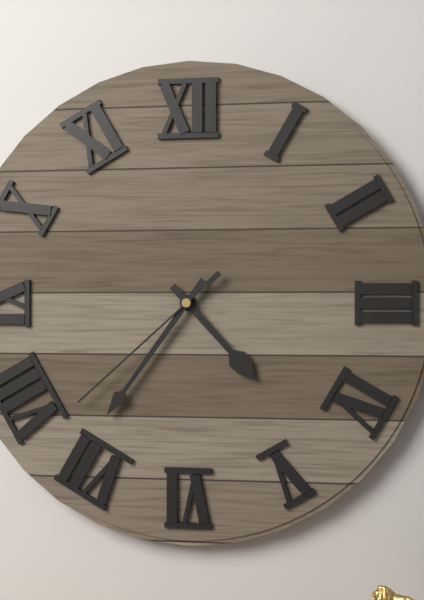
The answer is 4:36:38
